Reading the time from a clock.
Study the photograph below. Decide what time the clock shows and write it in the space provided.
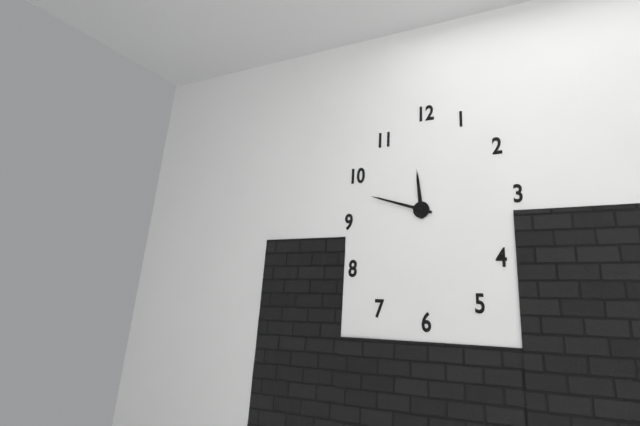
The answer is 11:48
